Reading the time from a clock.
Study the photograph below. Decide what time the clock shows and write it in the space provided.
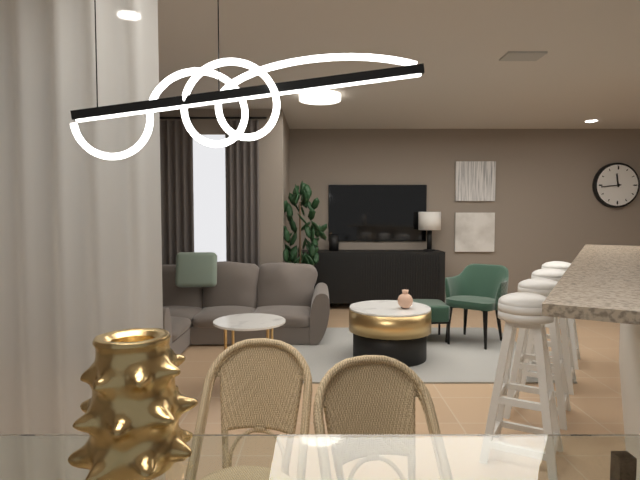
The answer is 11:44
